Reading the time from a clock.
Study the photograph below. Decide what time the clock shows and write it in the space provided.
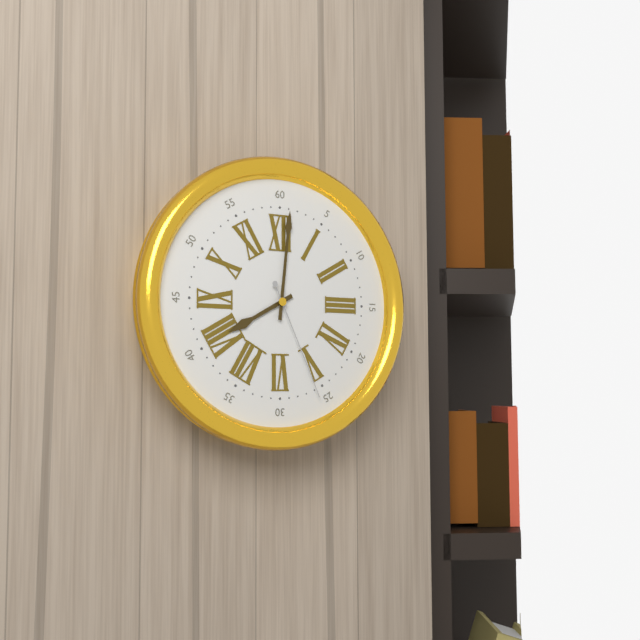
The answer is 8:01:26
